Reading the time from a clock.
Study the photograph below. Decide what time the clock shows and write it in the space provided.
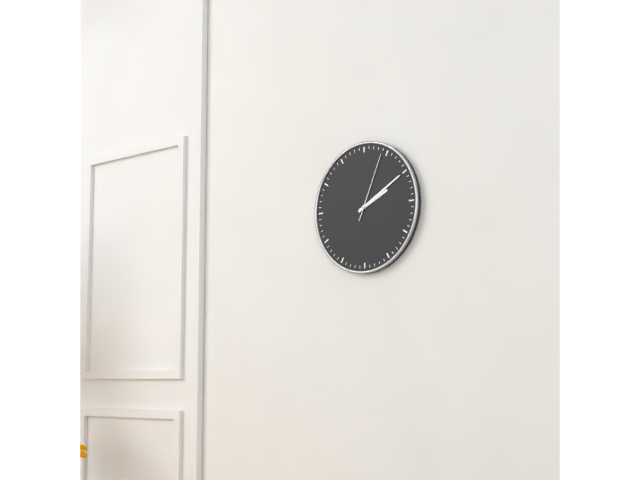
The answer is 2:10:04
